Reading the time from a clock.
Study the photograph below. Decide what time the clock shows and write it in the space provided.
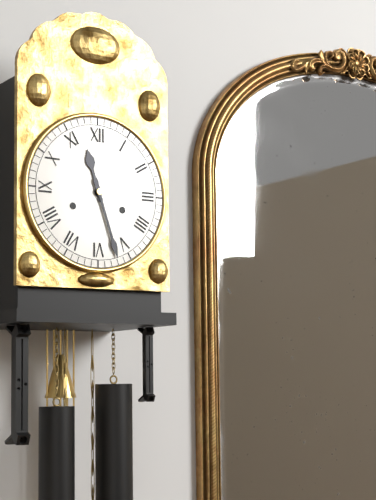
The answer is 11:27
